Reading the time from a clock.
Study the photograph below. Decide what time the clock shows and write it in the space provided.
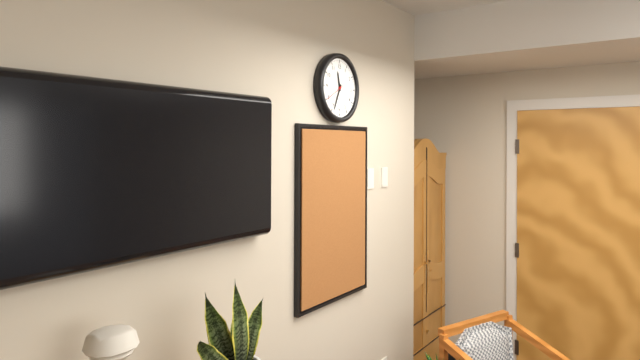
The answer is 11:34
